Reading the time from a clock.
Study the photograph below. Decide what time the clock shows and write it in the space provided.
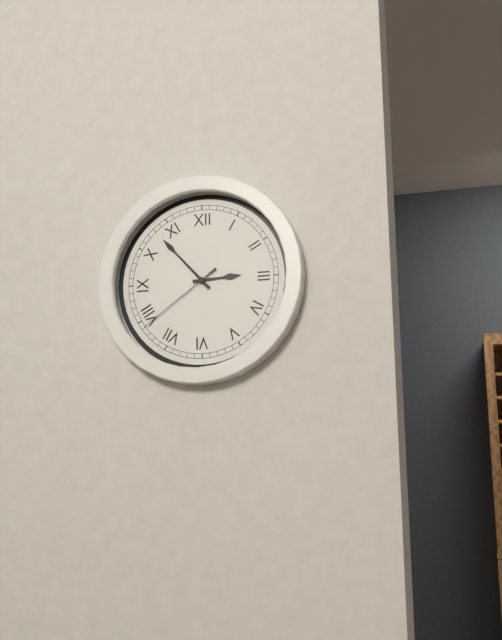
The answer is 2:53:39
